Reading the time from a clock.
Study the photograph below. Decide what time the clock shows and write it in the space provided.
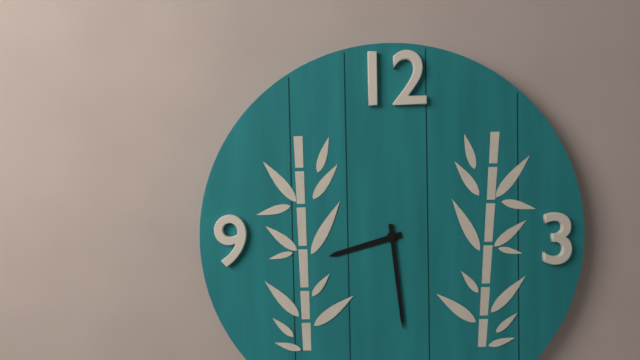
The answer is 8:29
